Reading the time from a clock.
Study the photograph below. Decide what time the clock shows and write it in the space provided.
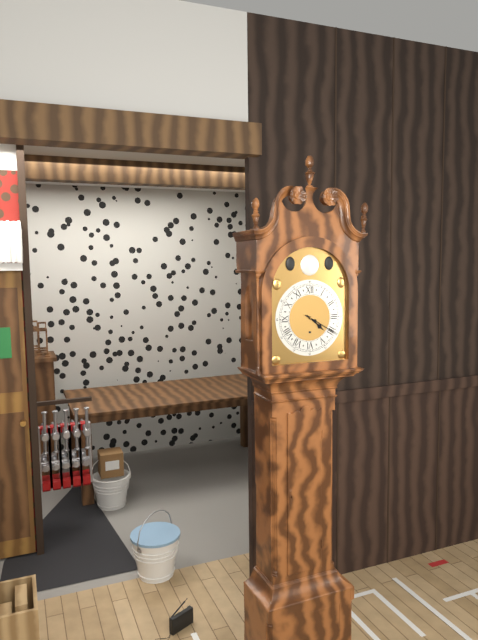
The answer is 4:20
